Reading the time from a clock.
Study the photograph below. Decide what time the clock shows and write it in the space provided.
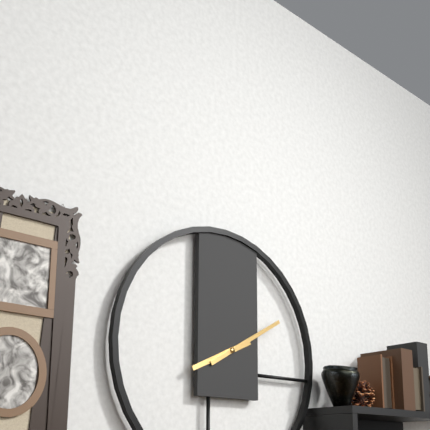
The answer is 8:10
